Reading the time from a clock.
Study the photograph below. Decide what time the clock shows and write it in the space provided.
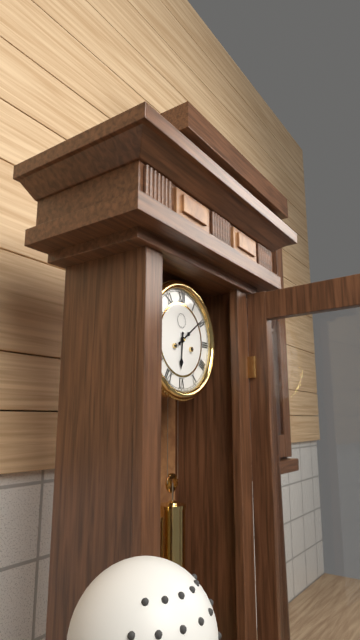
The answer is 6:09
